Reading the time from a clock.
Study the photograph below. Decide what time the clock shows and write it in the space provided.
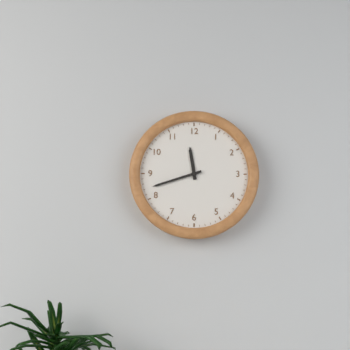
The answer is 11:42
